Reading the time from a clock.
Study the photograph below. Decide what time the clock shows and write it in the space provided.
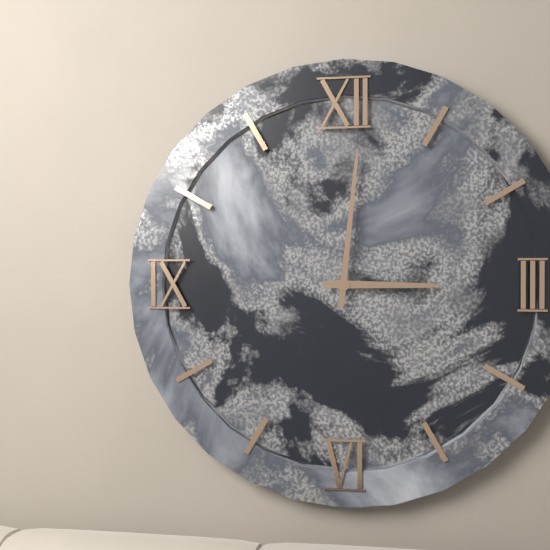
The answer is 3:01
